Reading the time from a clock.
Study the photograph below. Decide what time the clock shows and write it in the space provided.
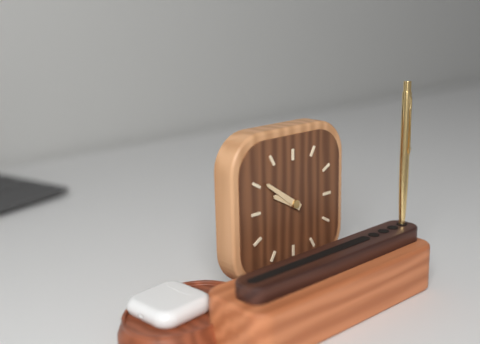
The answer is 9:51
